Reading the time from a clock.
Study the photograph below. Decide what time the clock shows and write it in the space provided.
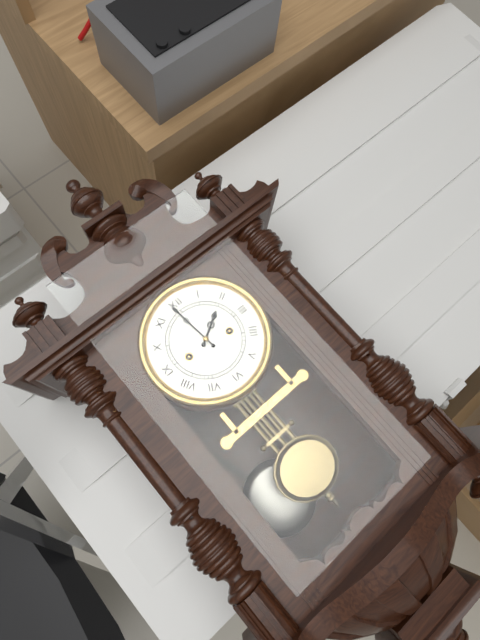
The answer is 1:59
